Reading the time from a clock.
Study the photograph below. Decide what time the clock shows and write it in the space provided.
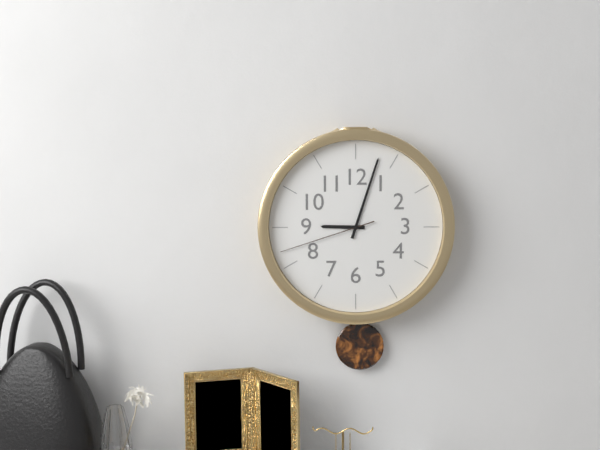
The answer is 9:03:42
